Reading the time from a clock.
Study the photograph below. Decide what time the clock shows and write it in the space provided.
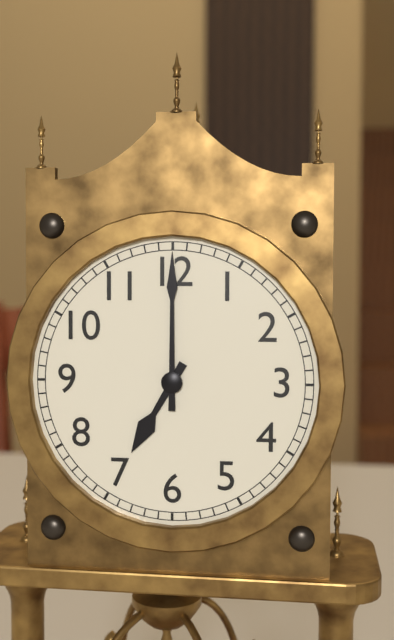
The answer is 7:00
